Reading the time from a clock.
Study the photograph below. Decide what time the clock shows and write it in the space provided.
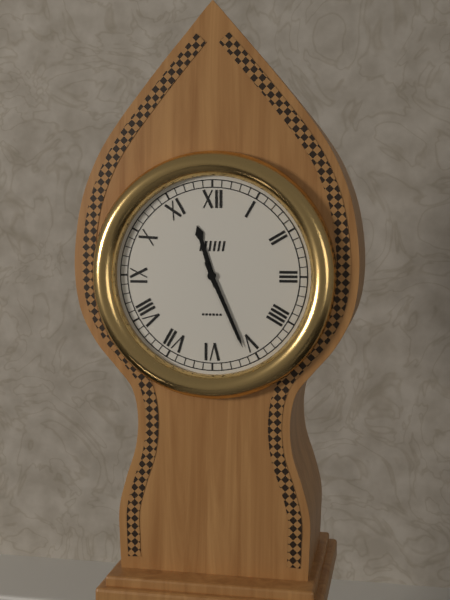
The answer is 11:26
